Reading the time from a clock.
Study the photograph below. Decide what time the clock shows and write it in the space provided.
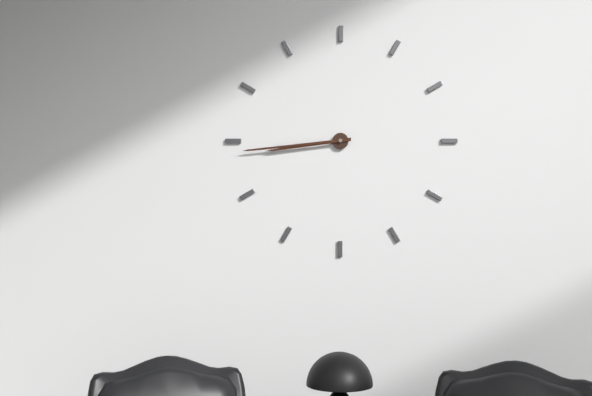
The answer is 8:44
